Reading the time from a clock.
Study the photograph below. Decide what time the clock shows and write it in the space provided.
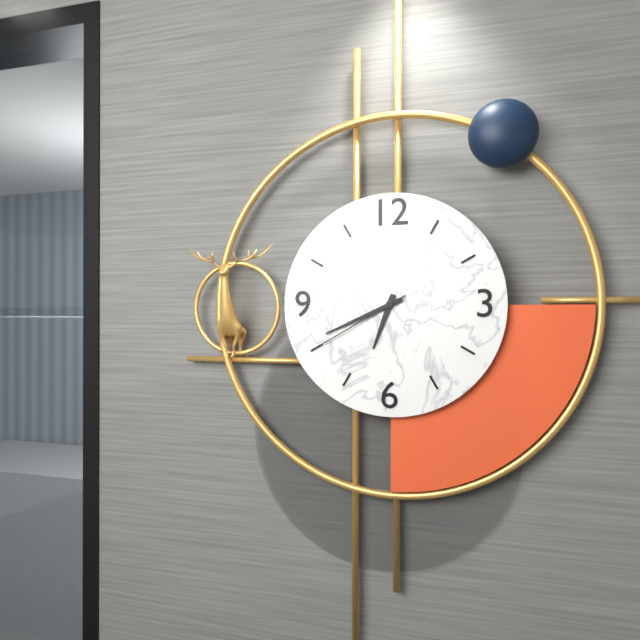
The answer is 6:41:40
